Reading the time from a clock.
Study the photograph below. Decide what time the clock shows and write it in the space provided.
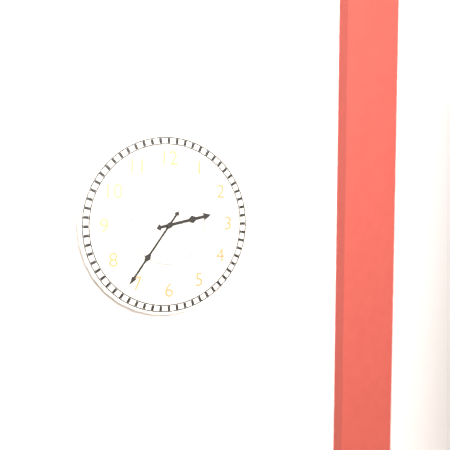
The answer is 2:36
